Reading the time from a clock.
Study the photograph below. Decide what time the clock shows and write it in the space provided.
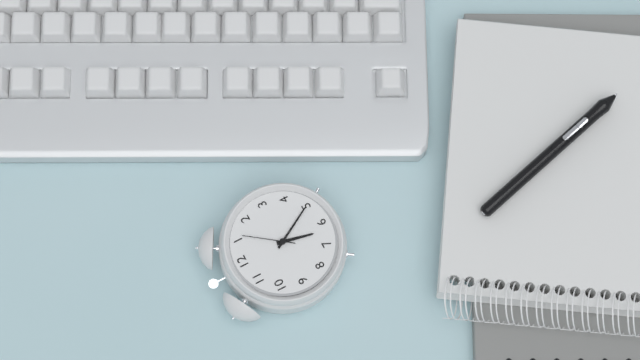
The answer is 6:25:06
